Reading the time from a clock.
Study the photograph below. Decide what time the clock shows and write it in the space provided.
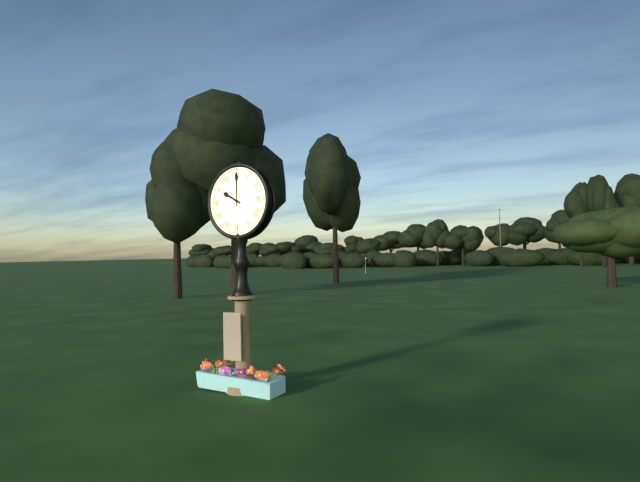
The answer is 10:00
